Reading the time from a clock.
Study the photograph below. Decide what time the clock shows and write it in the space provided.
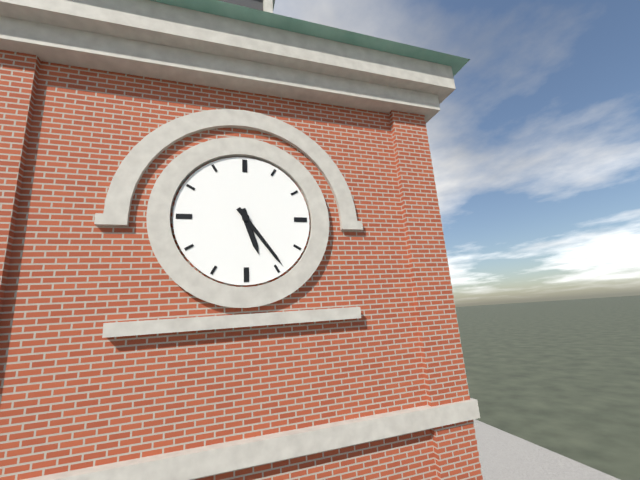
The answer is 5:24
